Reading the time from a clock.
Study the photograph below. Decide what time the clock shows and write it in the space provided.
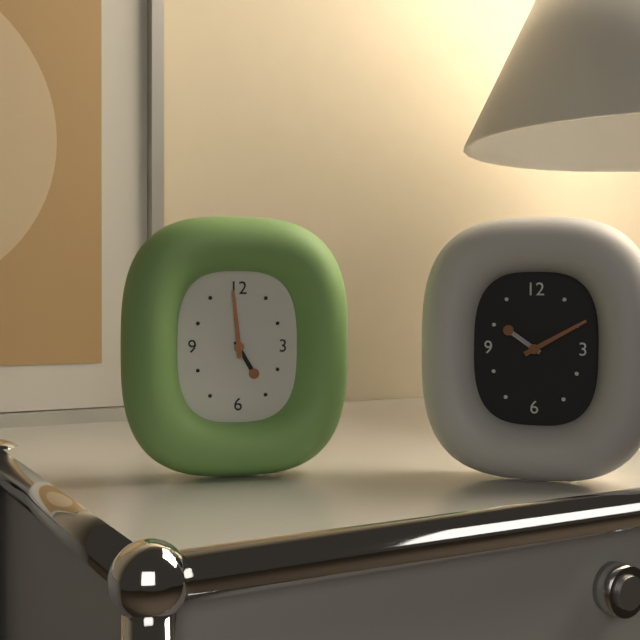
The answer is 4:59
